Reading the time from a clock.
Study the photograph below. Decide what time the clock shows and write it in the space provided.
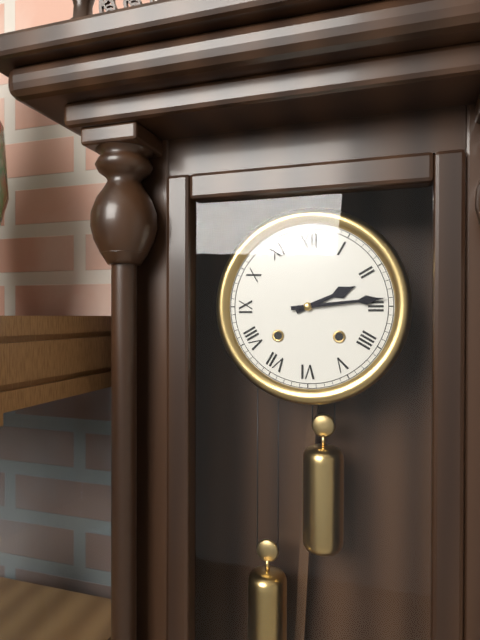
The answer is 2:14
